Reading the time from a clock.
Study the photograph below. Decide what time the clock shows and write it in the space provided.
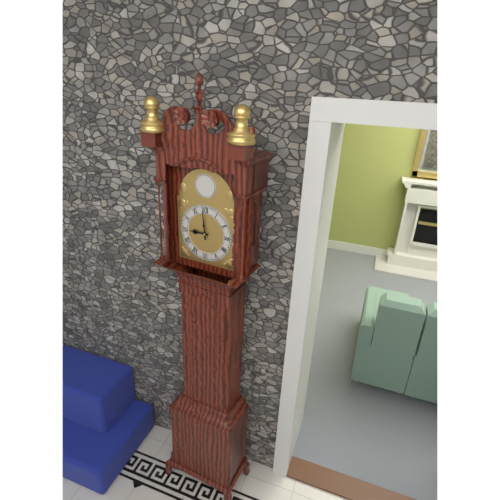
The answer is 8:59
